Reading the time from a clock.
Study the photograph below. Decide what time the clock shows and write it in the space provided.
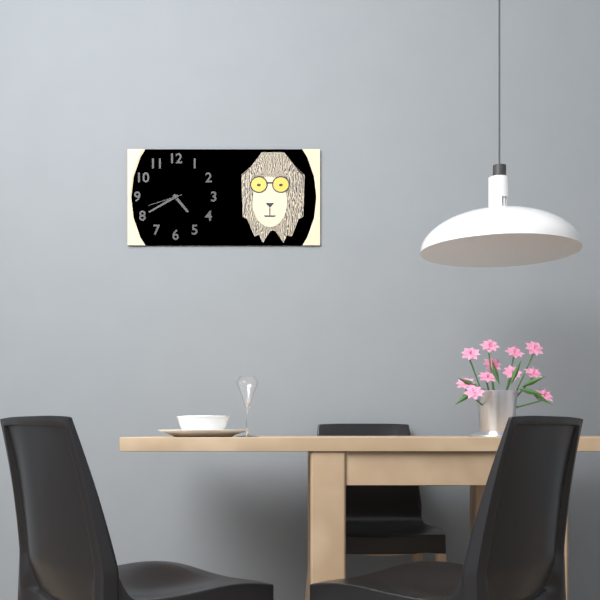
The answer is 4:40
